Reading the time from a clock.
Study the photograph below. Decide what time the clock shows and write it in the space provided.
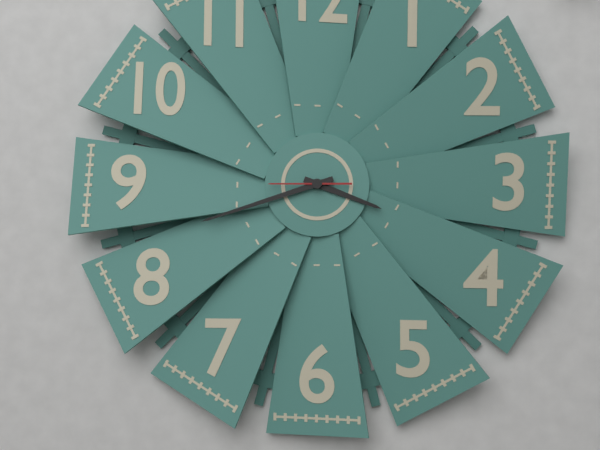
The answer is 3:42:45
